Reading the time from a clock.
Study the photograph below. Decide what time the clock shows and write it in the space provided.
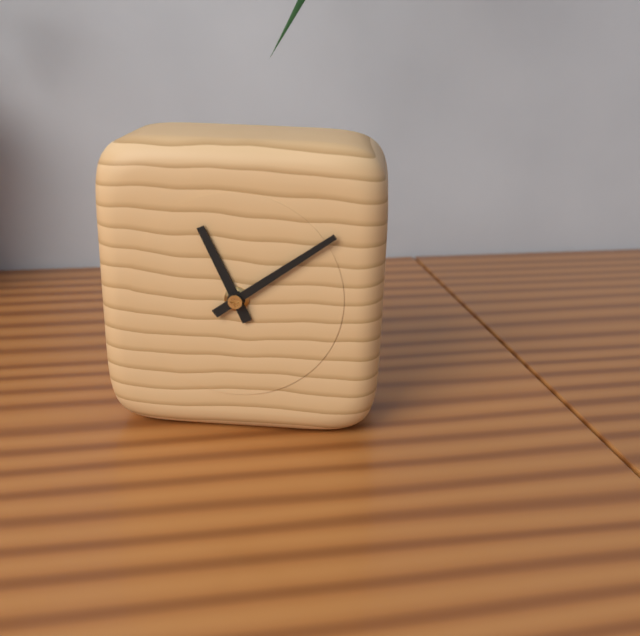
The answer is 11:09
